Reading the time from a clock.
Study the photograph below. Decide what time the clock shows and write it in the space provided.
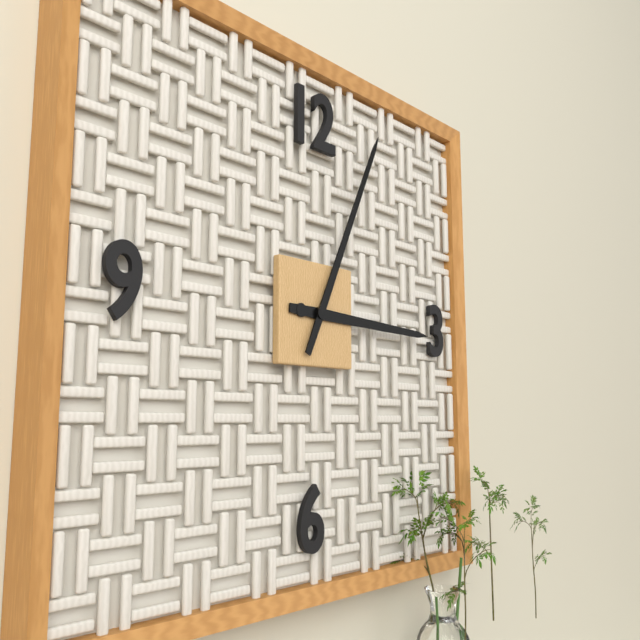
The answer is 3:04
